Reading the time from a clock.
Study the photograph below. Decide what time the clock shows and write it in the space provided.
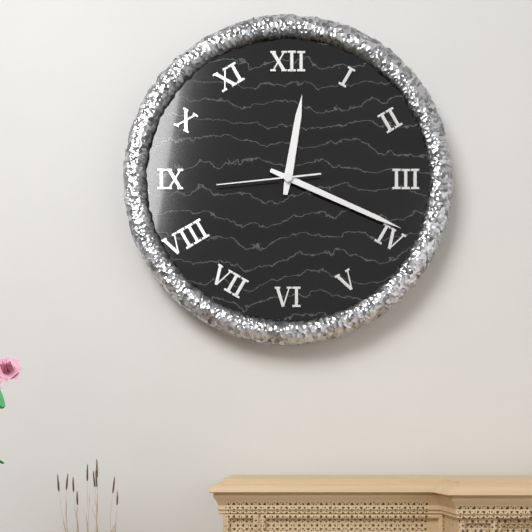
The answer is 12:19:44
